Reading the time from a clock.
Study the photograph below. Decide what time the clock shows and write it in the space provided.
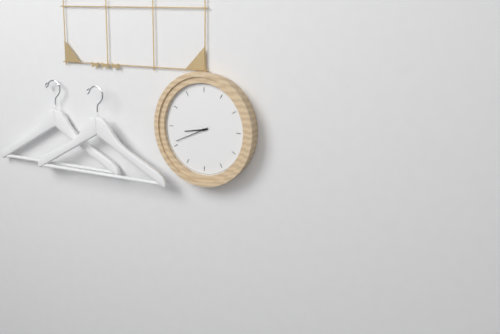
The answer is 8:41
